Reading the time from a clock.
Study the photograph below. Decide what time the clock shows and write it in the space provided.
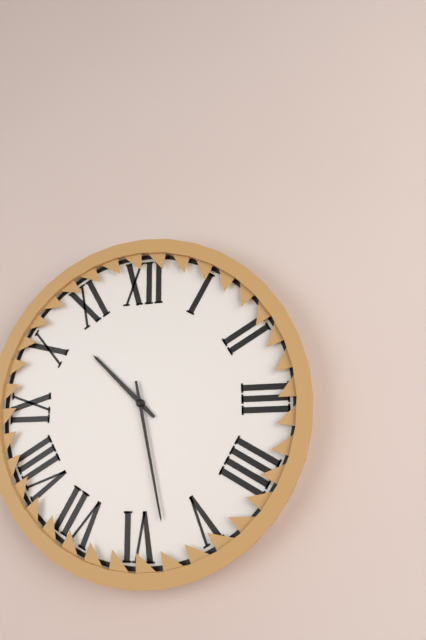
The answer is 10:28
